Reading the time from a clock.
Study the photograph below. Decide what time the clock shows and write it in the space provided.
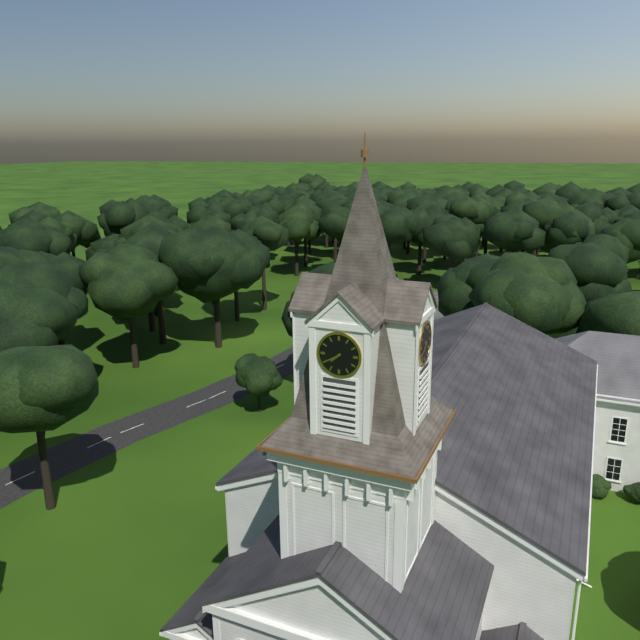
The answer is 7:40
